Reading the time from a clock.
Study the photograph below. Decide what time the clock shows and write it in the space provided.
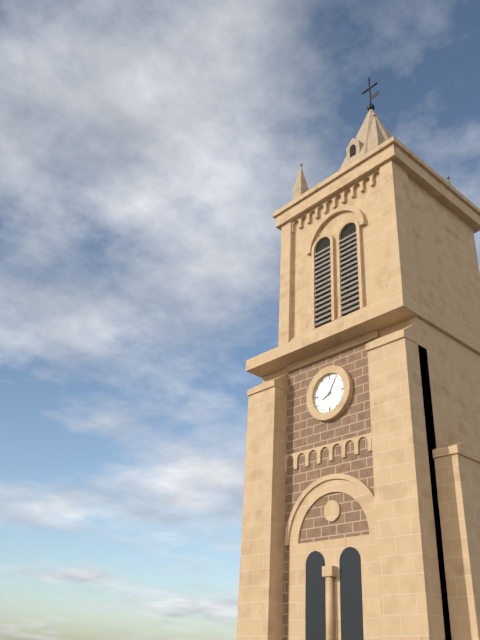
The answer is 8:05
